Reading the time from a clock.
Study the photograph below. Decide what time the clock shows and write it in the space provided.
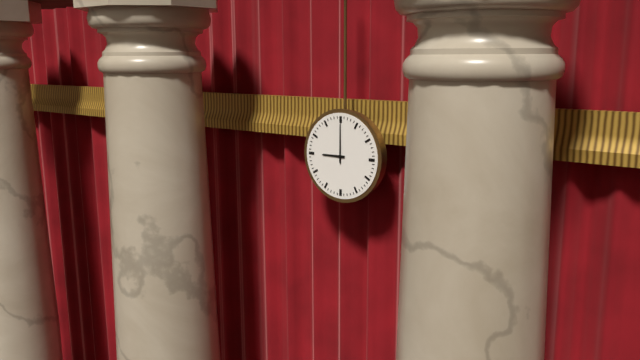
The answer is 9:00
